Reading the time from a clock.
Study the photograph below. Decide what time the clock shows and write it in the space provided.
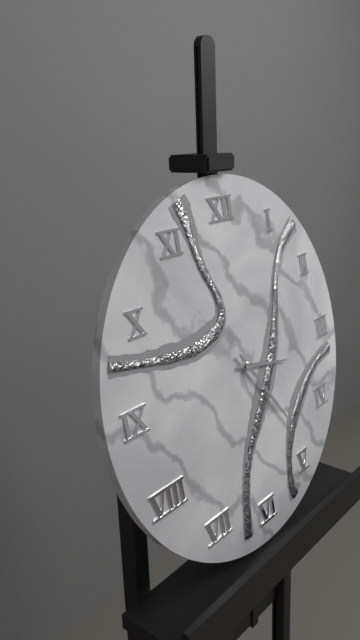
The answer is 3:24
